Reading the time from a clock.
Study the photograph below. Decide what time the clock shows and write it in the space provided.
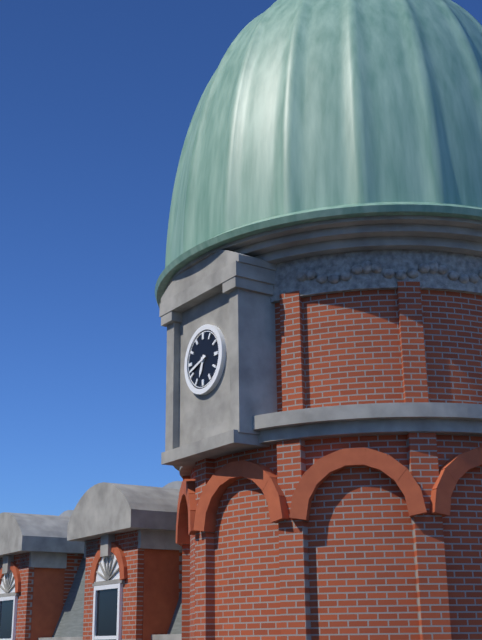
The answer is 6:42
